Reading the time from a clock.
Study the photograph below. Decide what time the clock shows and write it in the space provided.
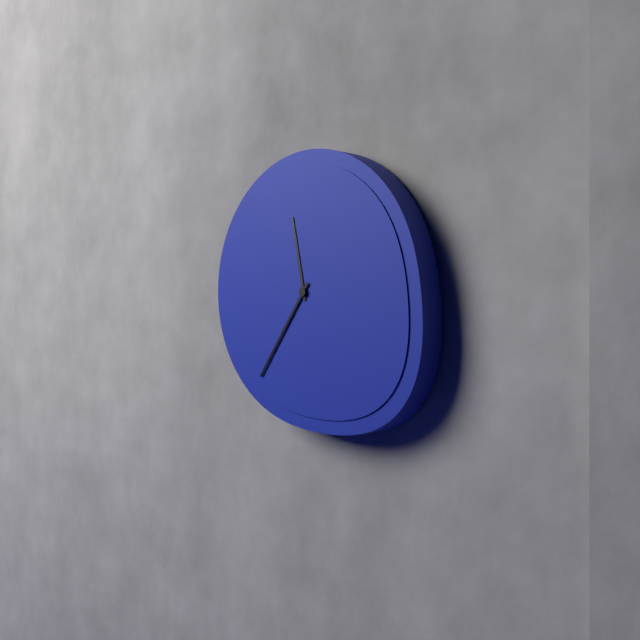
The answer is 11:36
